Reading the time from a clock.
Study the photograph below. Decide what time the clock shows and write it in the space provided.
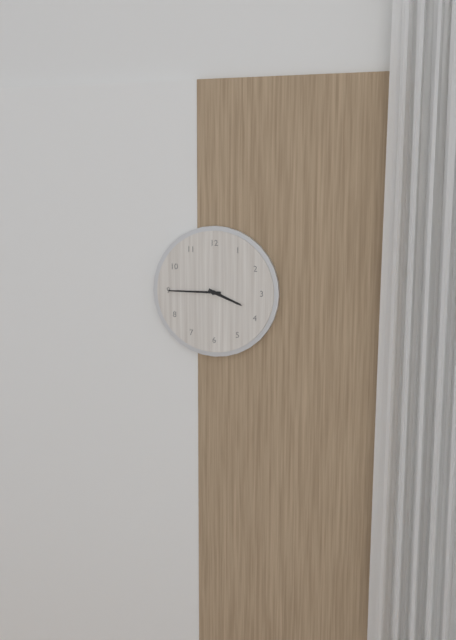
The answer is 3:45
